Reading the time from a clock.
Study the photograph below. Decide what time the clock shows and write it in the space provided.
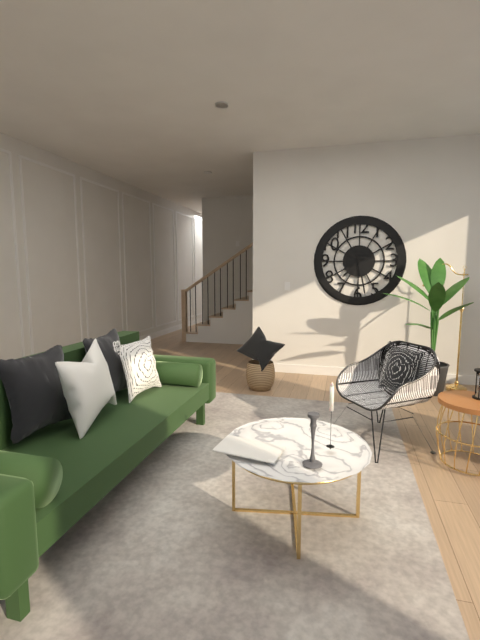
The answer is 7:28
